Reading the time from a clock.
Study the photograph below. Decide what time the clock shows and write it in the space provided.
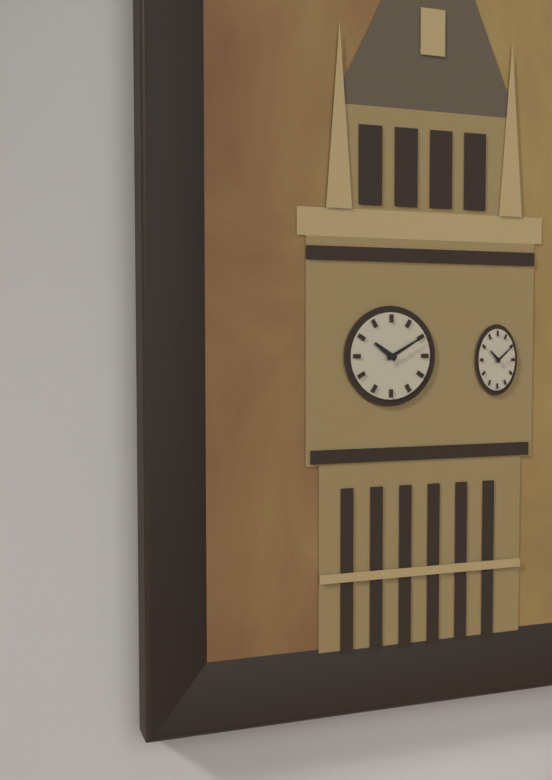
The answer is 10:10
